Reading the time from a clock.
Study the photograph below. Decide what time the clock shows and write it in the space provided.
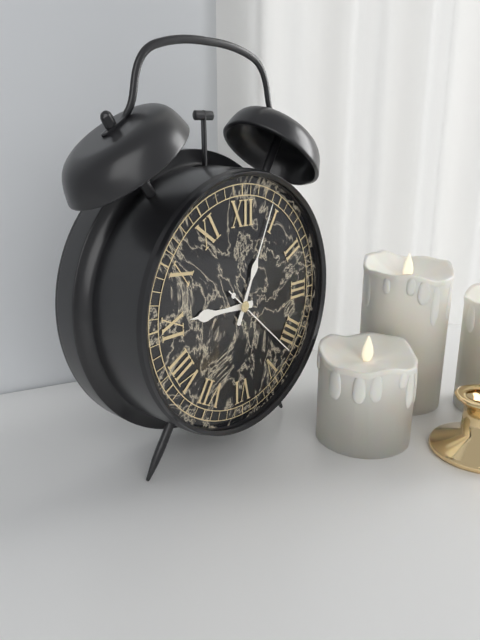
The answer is 9:04:22
